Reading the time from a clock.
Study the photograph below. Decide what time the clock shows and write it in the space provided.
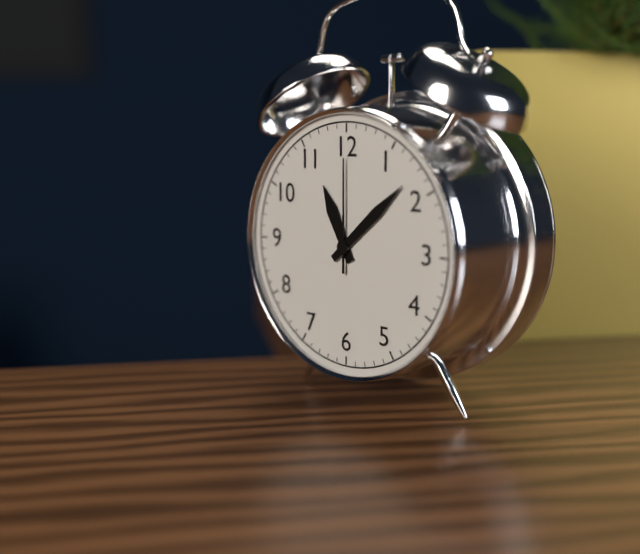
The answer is 11:08:00
